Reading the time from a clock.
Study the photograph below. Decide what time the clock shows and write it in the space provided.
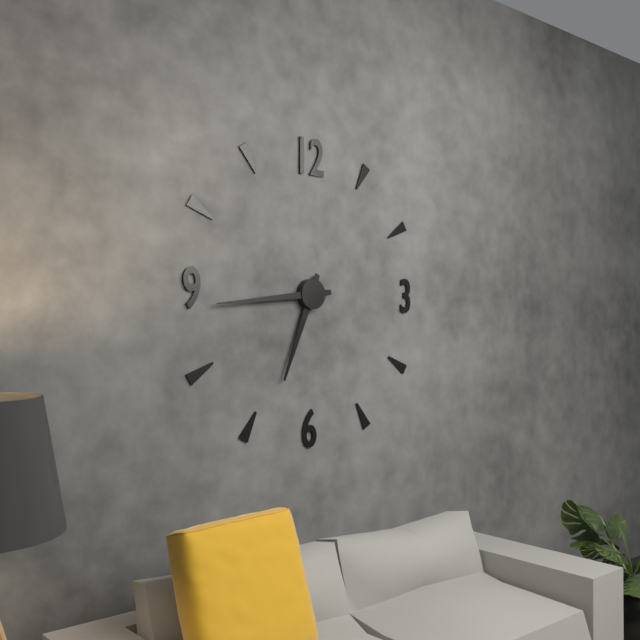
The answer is 6:44
